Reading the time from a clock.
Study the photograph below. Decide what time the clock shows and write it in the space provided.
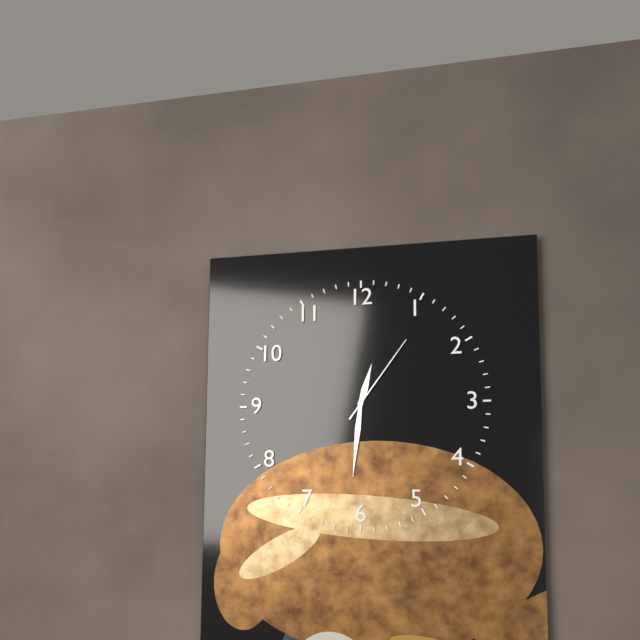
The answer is 12:31:06
